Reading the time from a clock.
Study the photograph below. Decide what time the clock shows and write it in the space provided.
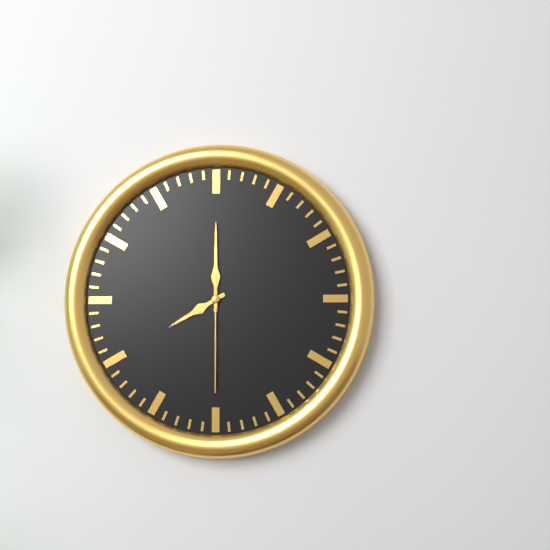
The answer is 8:00:30
